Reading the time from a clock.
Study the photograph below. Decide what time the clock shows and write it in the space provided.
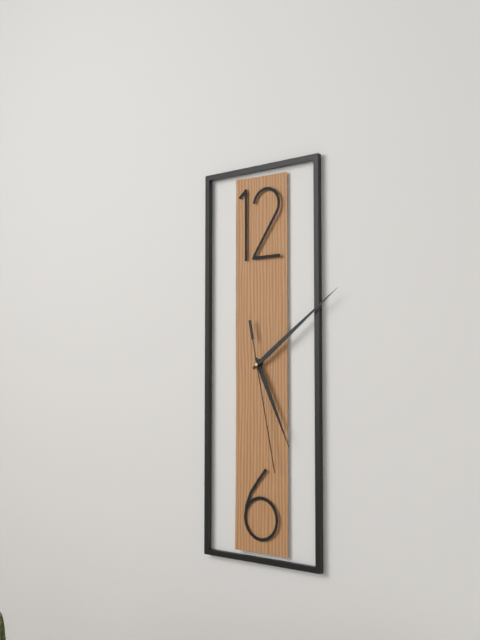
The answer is 5:09:28
